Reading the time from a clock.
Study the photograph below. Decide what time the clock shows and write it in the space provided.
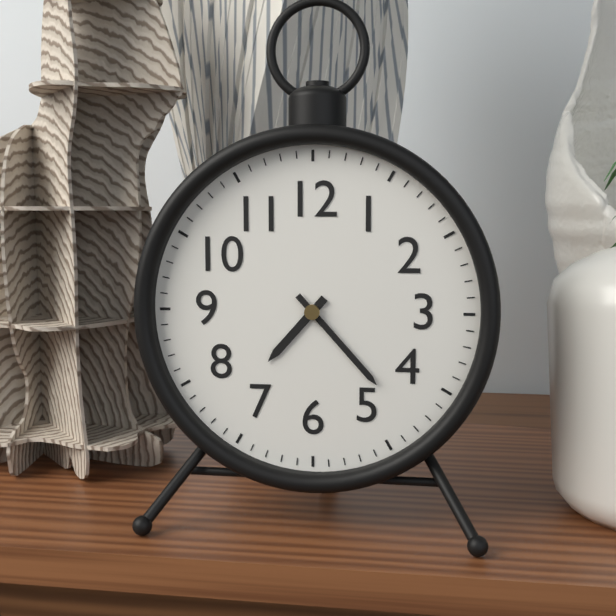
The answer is 7:23
